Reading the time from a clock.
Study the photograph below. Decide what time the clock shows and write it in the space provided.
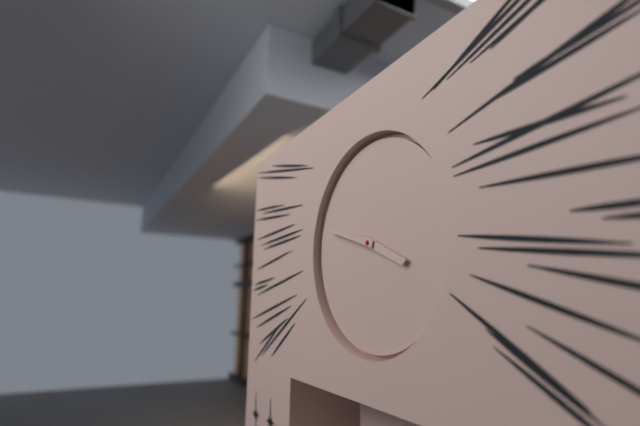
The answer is 3:48
